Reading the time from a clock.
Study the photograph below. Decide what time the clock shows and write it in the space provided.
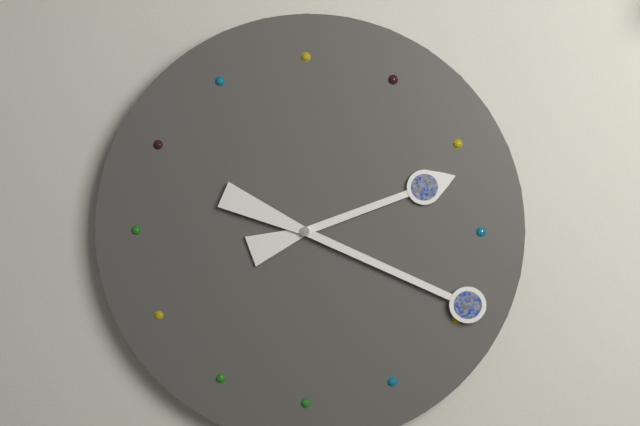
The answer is 2:19
